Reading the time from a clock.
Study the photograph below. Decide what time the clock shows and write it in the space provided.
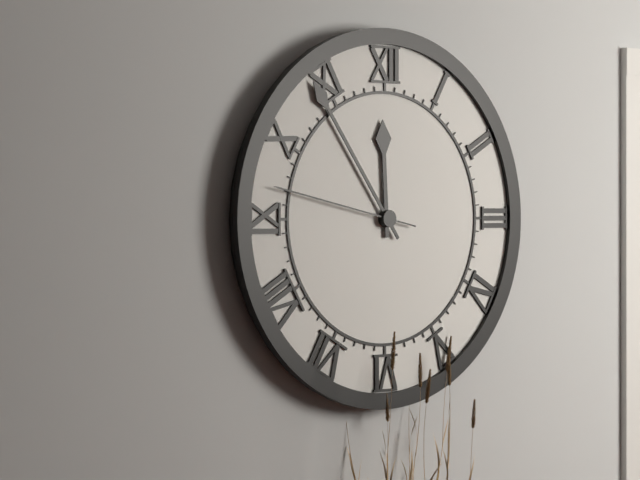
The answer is 11:54:47
